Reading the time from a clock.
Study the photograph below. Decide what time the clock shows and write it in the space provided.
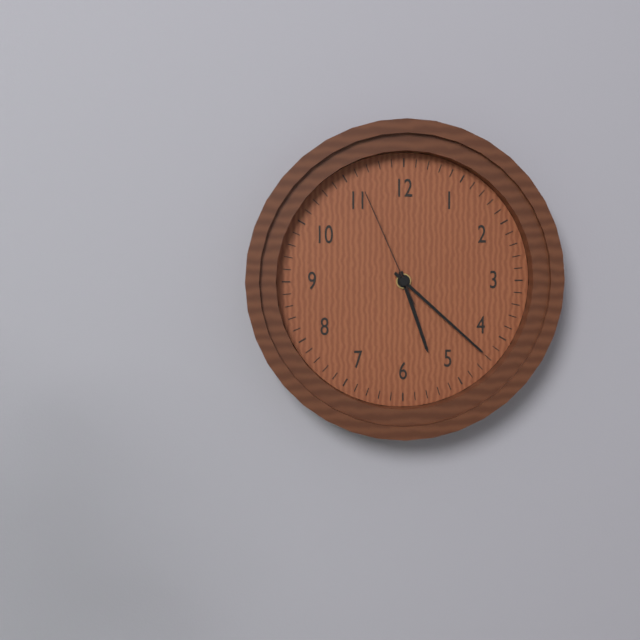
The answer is 5:22:56
